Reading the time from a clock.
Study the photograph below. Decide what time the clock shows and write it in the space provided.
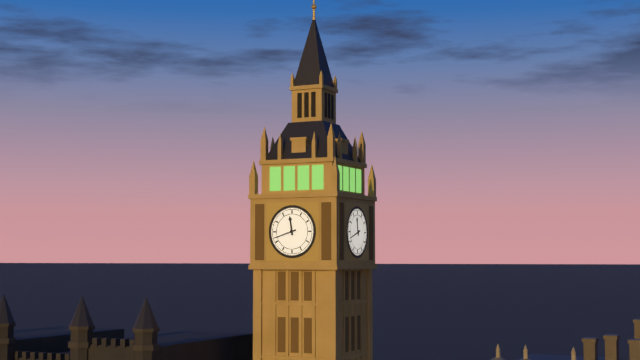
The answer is 11:42
